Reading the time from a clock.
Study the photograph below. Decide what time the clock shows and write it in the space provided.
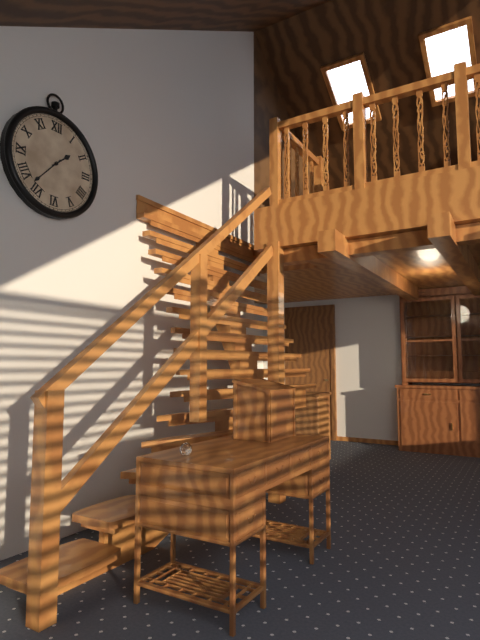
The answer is 1:37
